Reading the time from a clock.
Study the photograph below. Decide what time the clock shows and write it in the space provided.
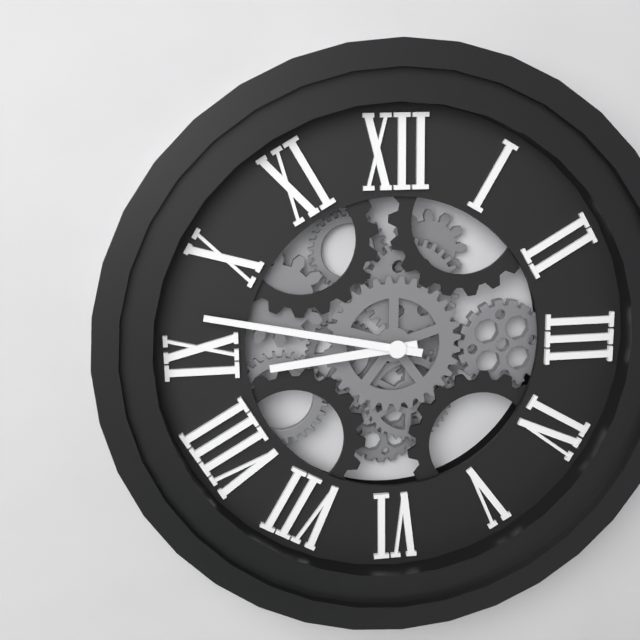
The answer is 8:47
